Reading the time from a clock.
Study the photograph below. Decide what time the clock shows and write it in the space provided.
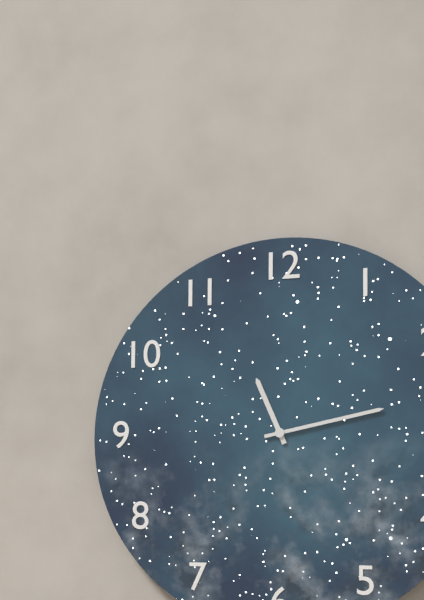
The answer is 11:13
